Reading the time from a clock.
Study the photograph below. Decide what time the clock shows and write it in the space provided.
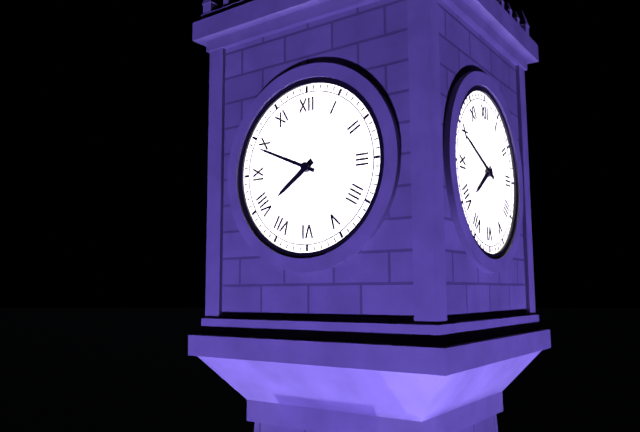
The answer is 7:49
